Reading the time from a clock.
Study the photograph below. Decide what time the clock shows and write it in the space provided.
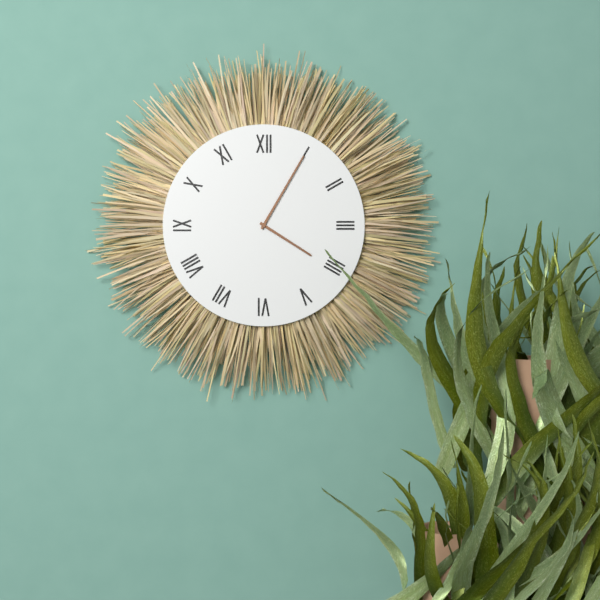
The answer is 4:05
